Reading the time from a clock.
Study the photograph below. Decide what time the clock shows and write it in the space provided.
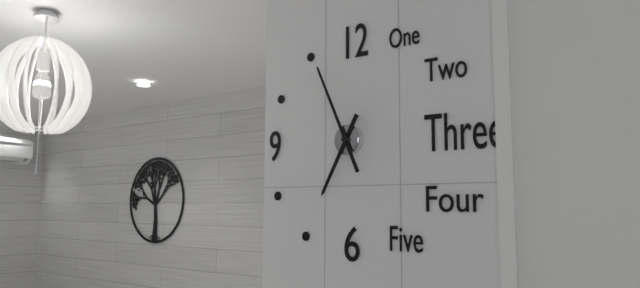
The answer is 6:56
